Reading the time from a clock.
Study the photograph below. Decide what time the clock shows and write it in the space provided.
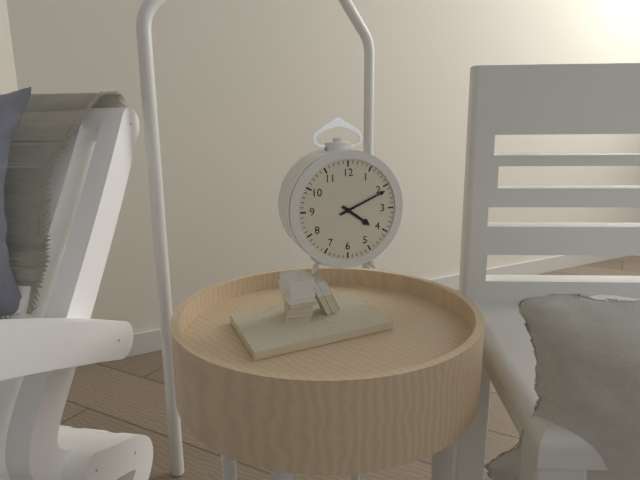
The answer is 4:11
